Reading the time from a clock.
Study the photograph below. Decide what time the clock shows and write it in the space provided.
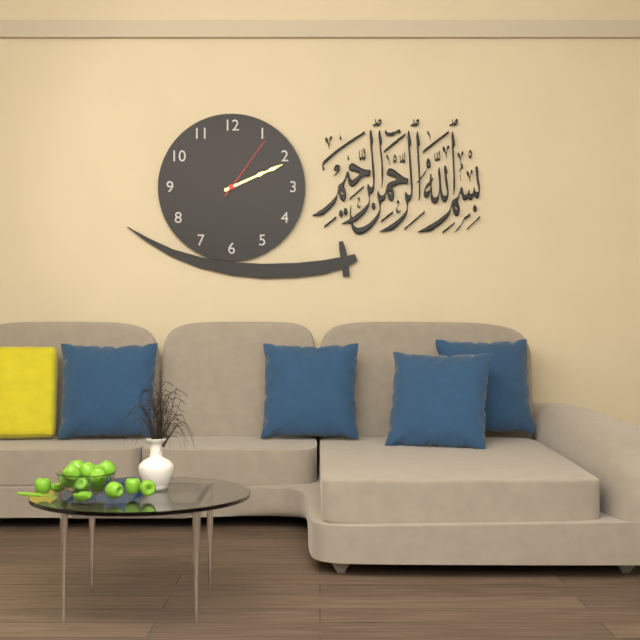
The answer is 2:11:06
